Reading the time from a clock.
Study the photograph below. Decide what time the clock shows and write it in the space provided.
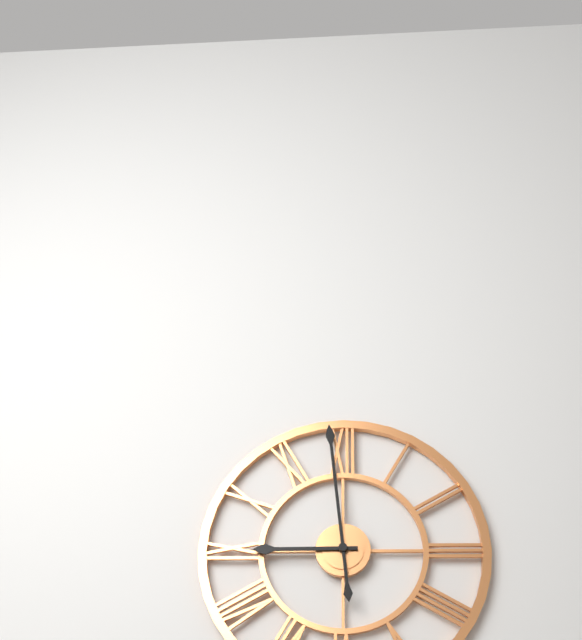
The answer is 8:59
